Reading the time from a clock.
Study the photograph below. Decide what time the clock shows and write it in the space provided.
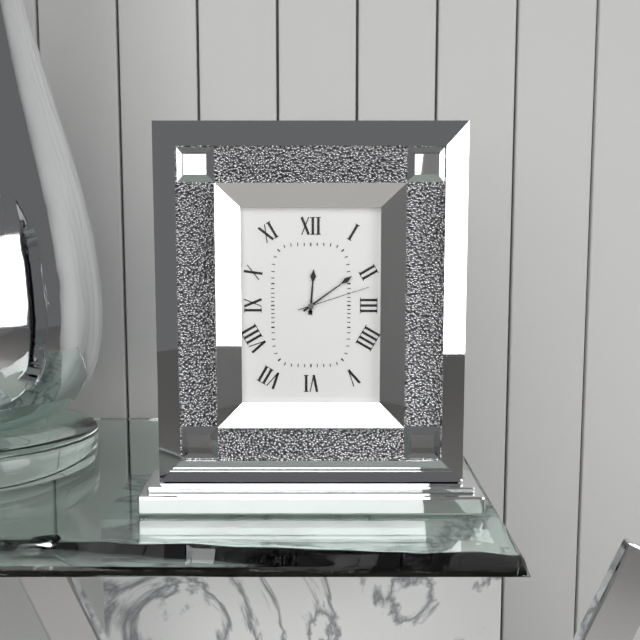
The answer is 12:09:12
